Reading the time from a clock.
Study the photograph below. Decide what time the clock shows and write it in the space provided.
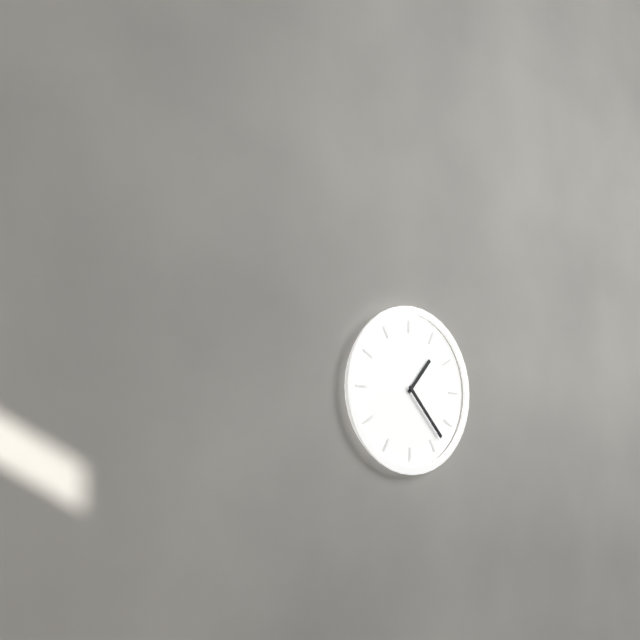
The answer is 1:23
